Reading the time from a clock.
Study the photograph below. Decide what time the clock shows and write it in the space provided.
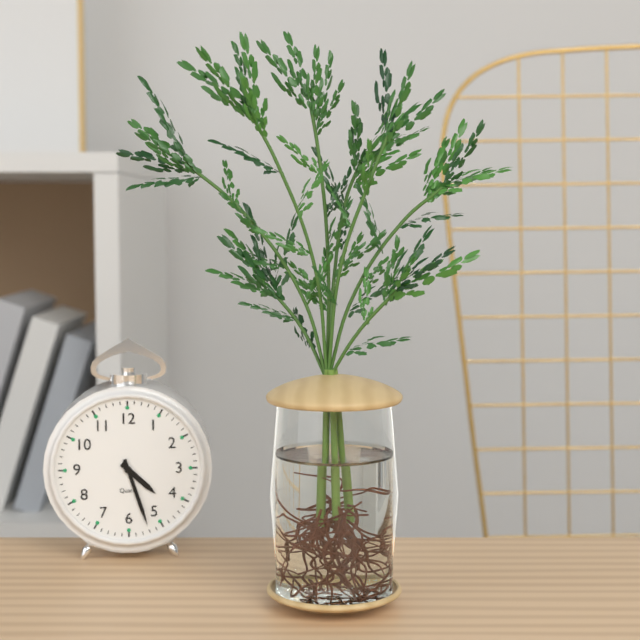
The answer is 4:27
